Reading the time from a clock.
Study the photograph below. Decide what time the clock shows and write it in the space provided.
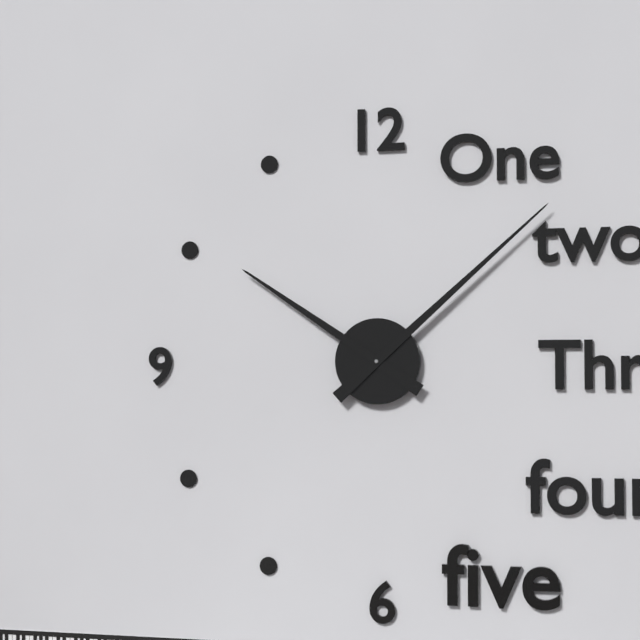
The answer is 10:08
